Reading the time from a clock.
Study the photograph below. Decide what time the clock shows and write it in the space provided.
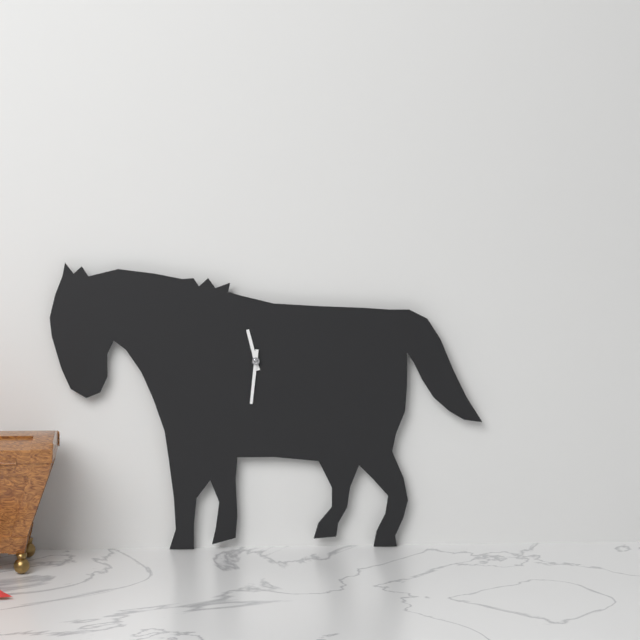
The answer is 11:31
